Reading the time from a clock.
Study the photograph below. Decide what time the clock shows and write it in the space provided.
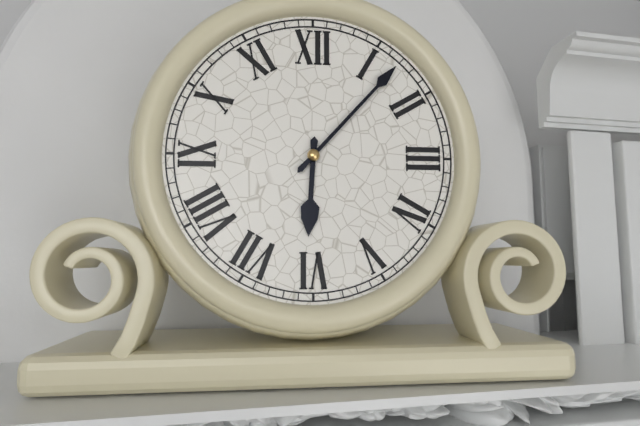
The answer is 6:07
